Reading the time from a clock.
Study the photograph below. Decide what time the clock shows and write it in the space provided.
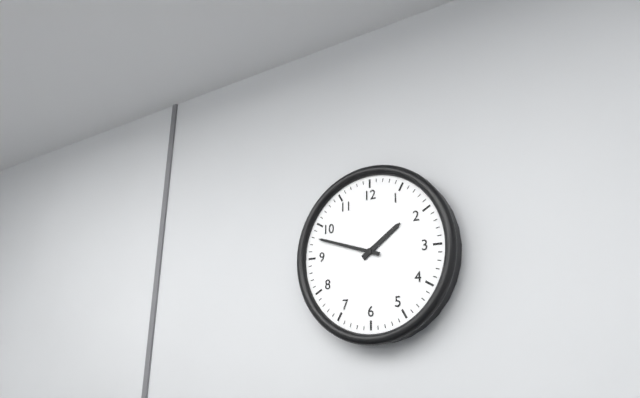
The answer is 1:48
